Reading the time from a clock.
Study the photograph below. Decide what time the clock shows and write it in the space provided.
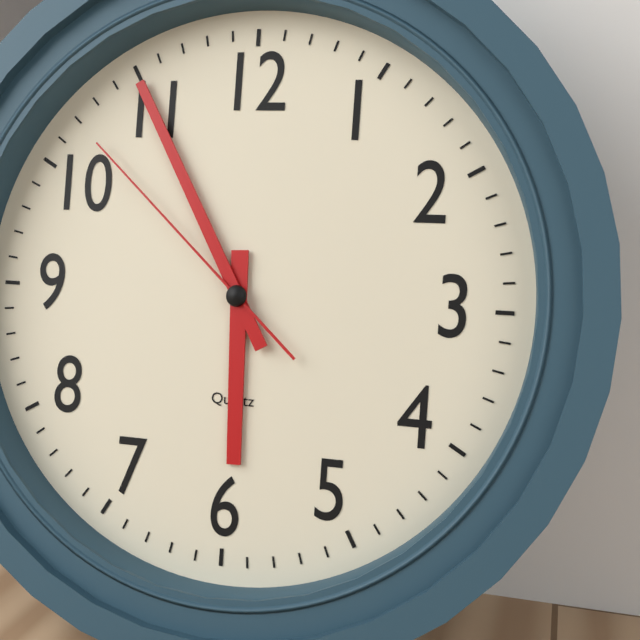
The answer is 5:55:52
